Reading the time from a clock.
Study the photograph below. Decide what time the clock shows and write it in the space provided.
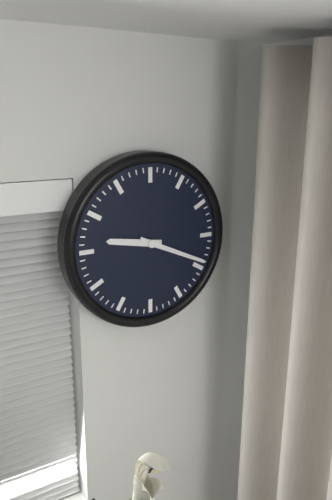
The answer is 9:19
